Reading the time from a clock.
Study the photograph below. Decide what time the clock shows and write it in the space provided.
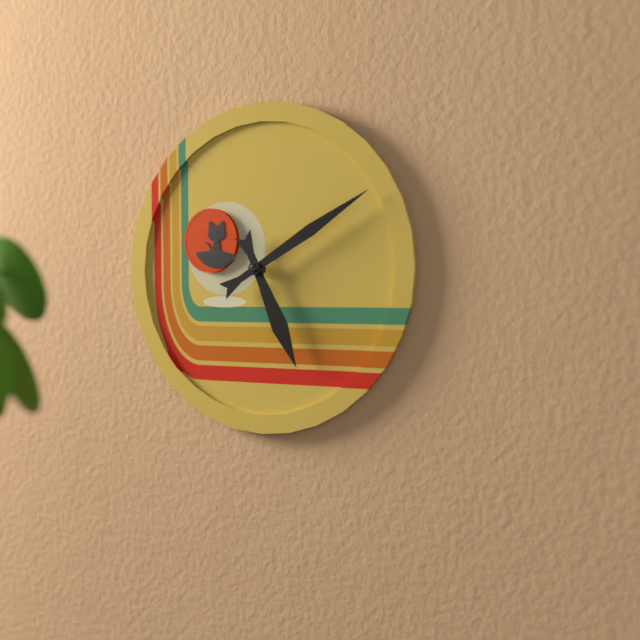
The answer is 5:10
